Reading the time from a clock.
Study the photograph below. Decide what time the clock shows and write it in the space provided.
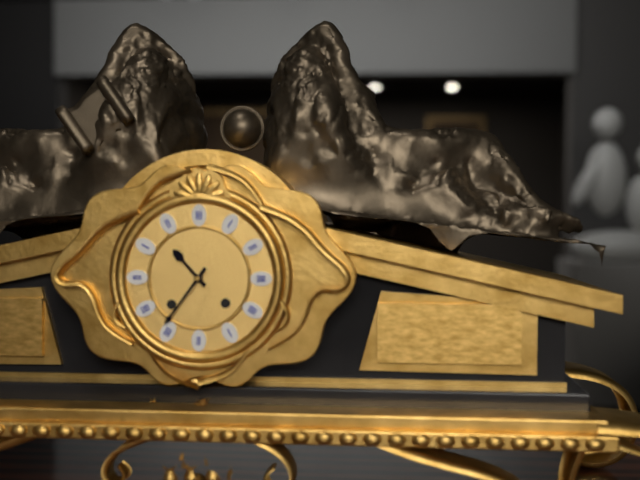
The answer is 10:36
